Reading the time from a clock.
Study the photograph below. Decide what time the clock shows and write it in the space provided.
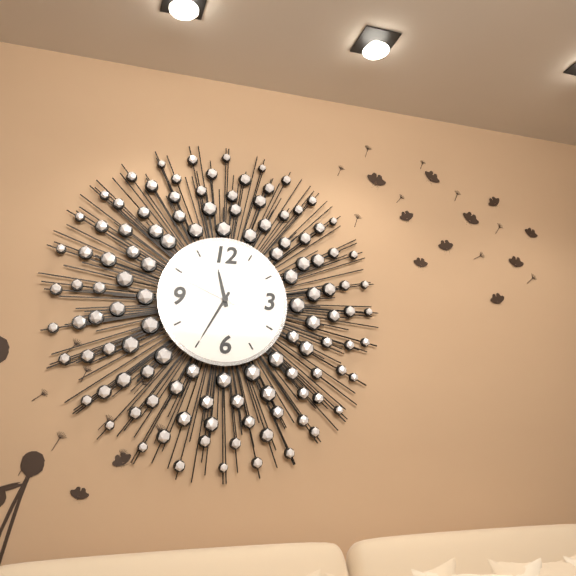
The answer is 11:35:49
